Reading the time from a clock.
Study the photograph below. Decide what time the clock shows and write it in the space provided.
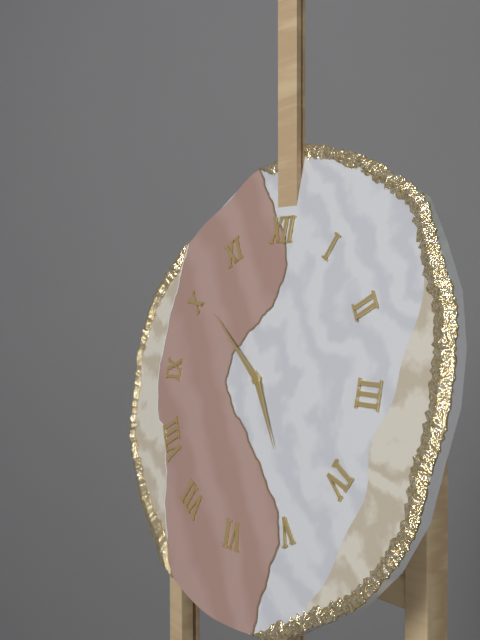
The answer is 4:51
